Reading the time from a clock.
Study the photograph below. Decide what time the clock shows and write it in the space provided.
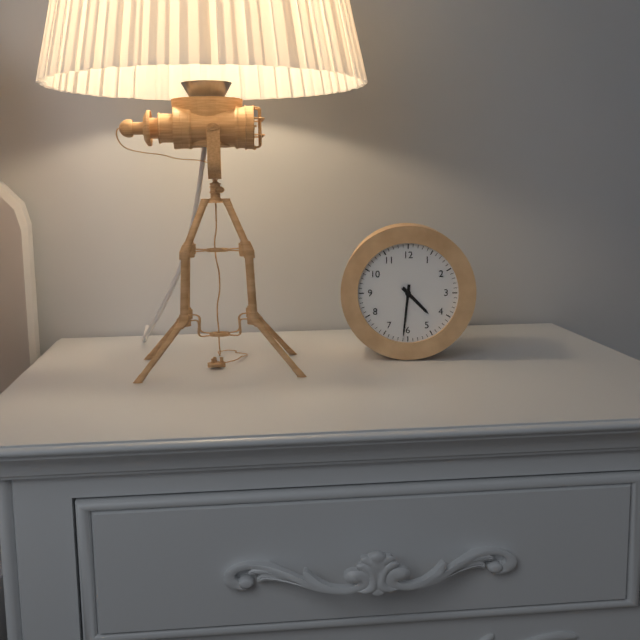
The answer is 4:31
